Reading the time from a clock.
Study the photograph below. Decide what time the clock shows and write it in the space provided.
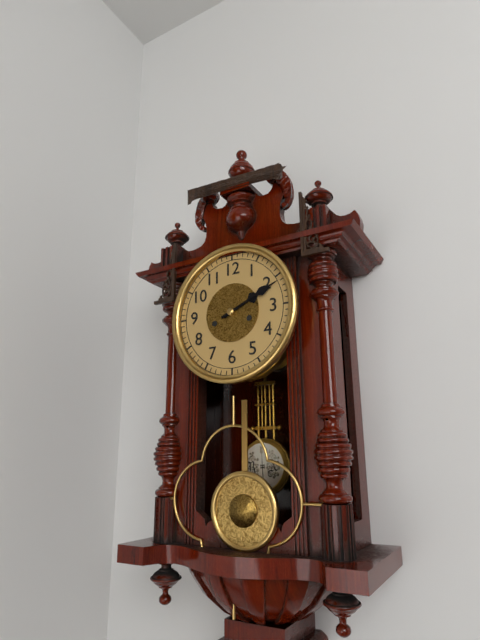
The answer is 2:11
